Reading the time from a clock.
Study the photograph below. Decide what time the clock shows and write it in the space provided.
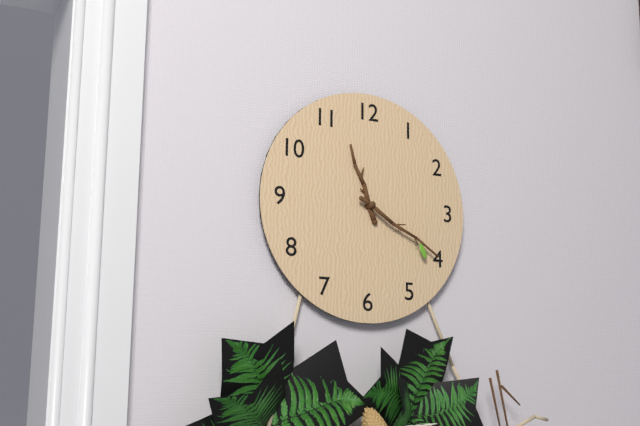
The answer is 11:20
